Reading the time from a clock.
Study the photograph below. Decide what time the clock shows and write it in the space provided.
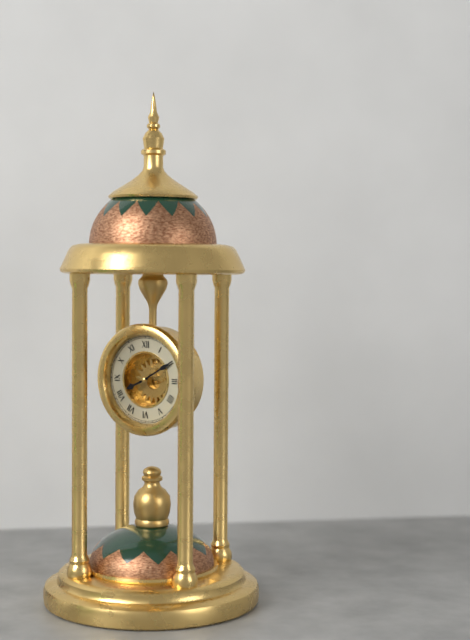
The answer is 8:10
